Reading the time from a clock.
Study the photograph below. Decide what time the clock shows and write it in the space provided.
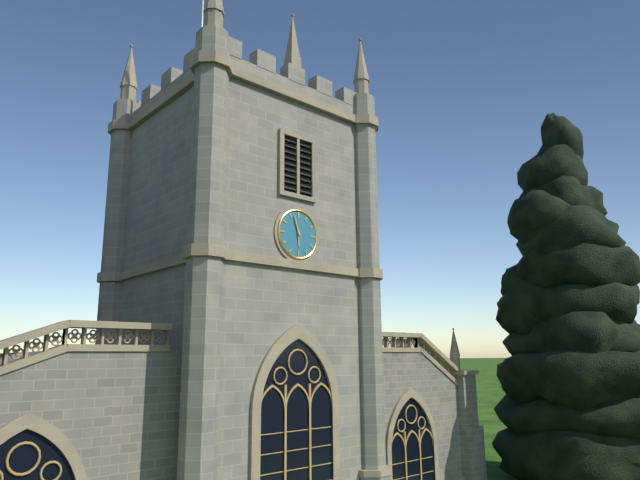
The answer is 5:57
